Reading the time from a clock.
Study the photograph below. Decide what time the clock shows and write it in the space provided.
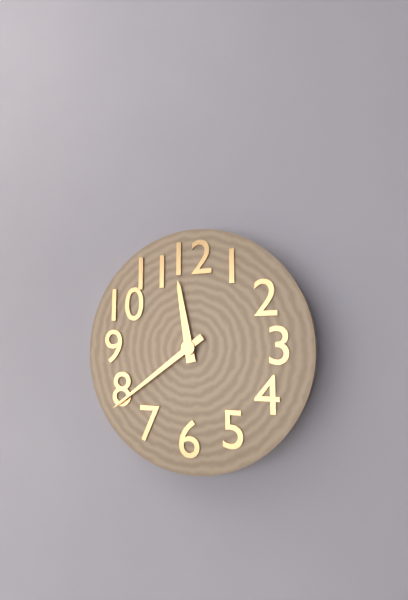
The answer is 11:39
